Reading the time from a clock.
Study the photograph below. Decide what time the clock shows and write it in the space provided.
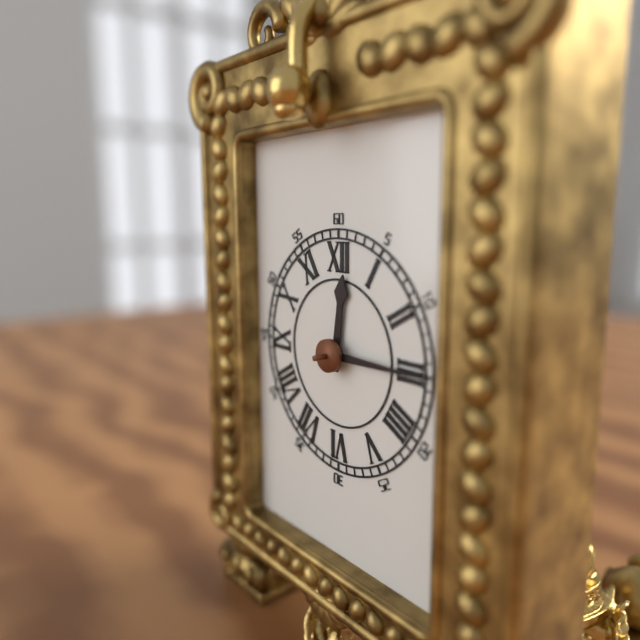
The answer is 12:15
